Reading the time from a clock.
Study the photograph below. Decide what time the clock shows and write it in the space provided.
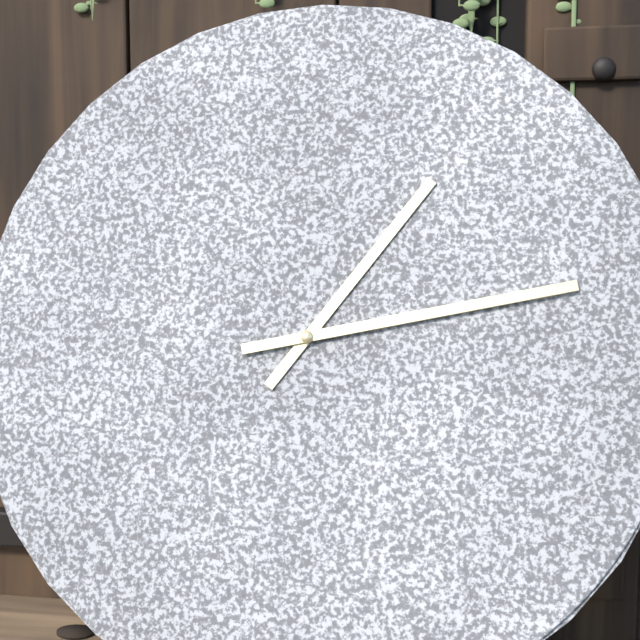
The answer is 1:13
